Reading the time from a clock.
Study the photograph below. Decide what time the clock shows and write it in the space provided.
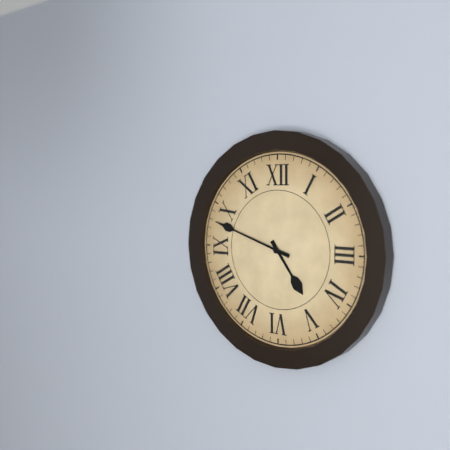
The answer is 4:48
